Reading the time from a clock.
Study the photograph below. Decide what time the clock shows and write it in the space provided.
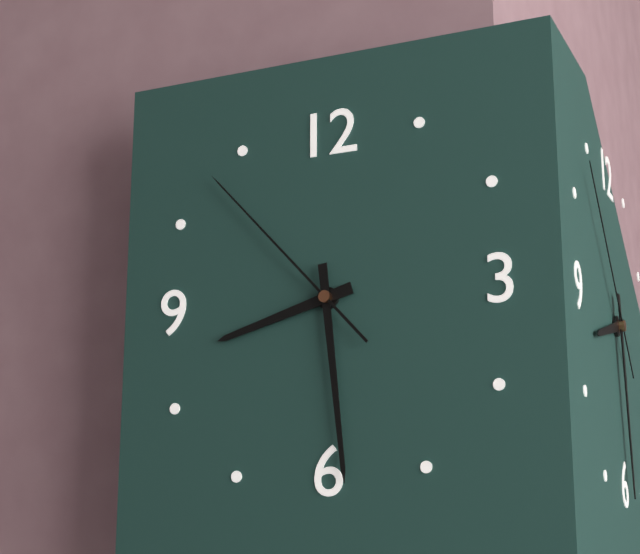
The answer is 8:29:53
